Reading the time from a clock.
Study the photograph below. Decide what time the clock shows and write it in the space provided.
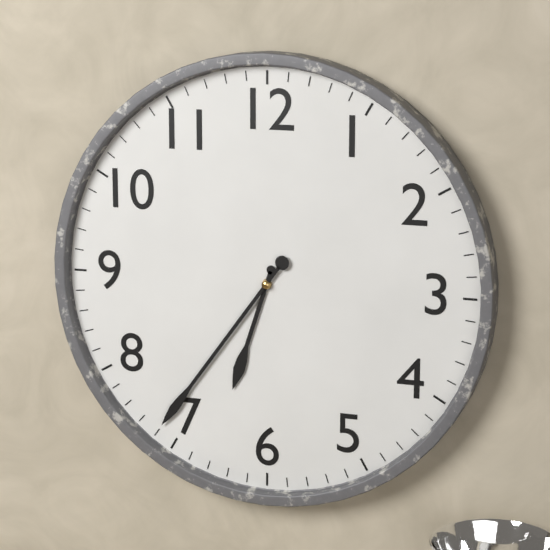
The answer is 6:36
